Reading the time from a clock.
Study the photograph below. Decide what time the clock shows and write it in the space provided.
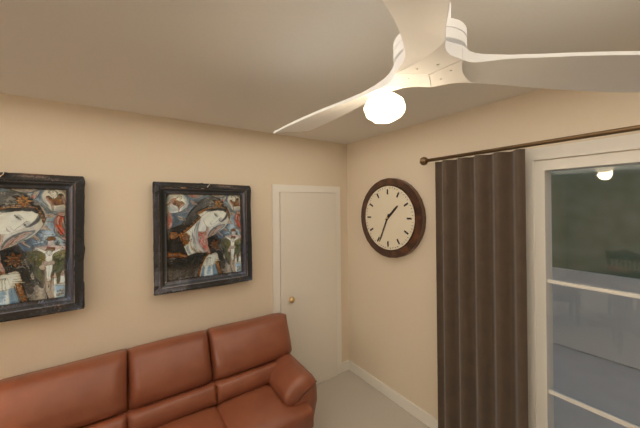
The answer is 1:34
